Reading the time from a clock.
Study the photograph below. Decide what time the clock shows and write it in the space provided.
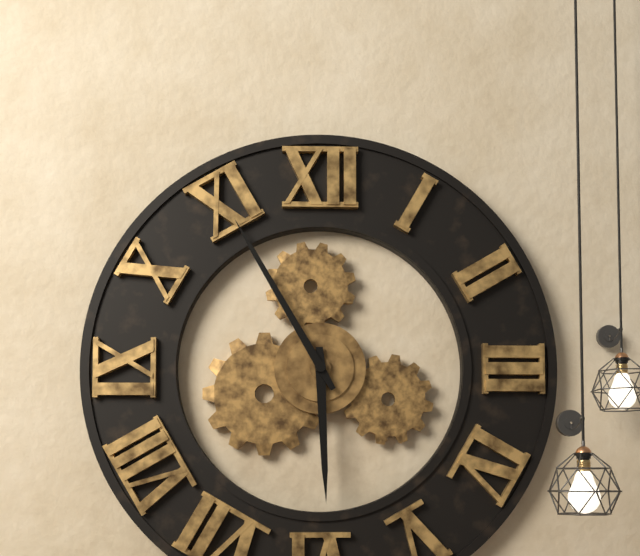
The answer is 5:55
